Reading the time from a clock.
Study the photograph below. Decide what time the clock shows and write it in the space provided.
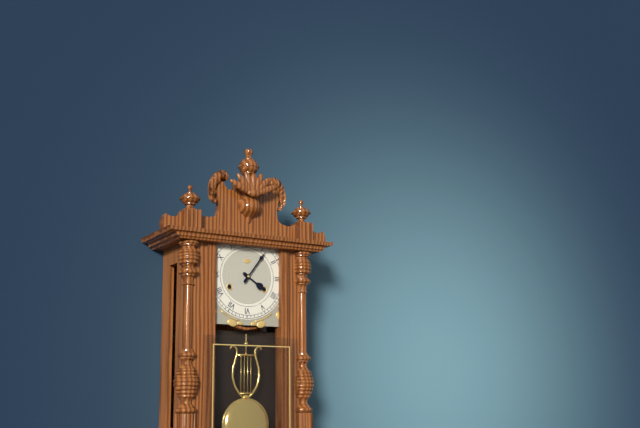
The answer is 4:06
